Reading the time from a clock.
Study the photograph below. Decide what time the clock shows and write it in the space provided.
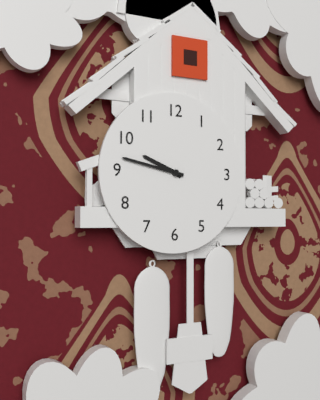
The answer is 9:47
